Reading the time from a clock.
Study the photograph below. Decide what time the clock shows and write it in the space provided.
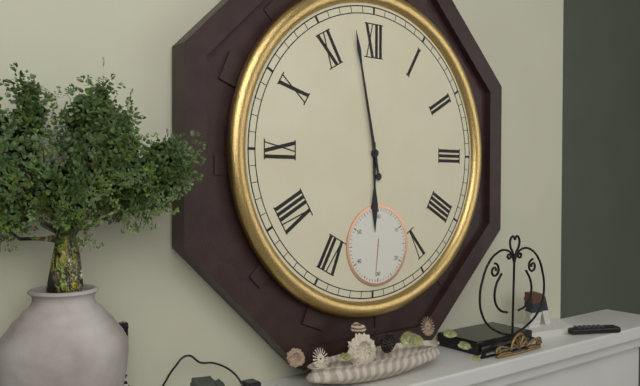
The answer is 5:58
